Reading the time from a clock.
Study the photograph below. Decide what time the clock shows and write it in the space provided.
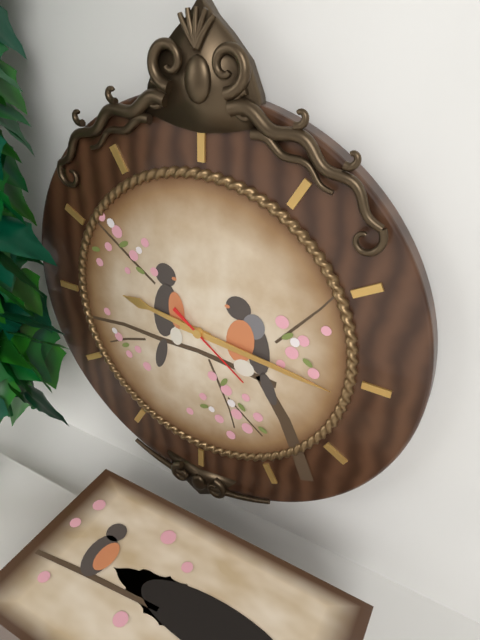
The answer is 9:16:21
